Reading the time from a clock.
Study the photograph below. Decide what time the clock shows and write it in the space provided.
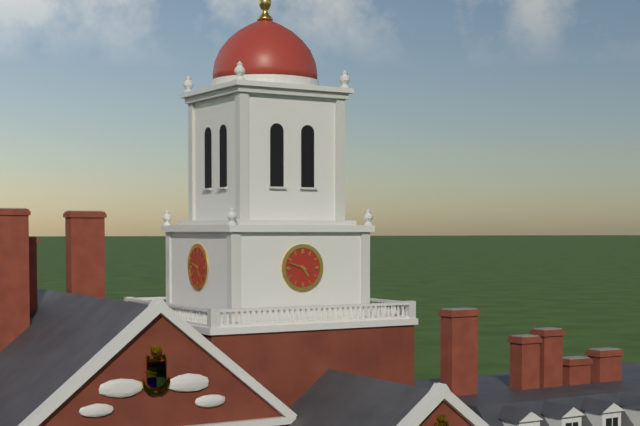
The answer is 4:48
